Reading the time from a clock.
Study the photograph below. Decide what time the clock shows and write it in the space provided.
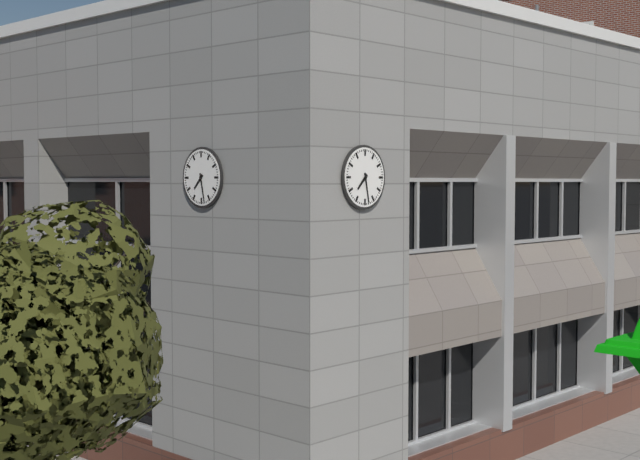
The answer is 7:28
